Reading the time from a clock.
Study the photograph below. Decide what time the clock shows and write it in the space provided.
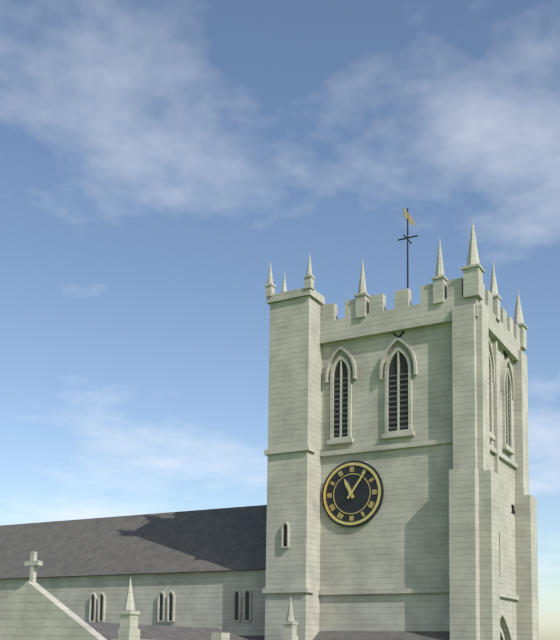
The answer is 11:06
